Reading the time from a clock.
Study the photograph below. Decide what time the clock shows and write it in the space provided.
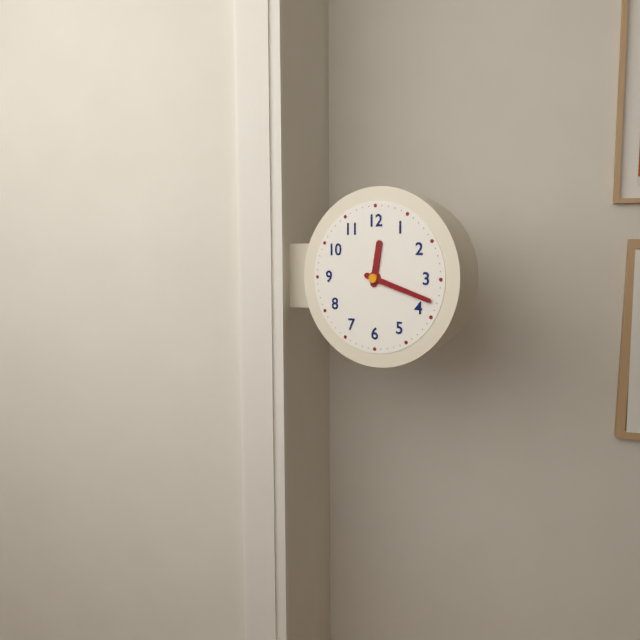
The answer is 12:18
